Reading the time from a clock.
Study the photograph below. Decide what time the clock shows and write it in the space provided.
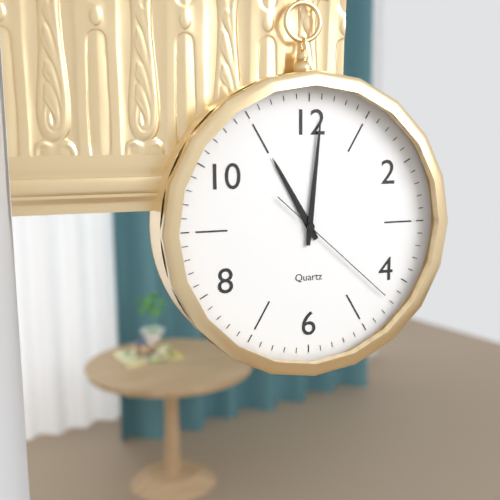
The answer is 11:01:22
